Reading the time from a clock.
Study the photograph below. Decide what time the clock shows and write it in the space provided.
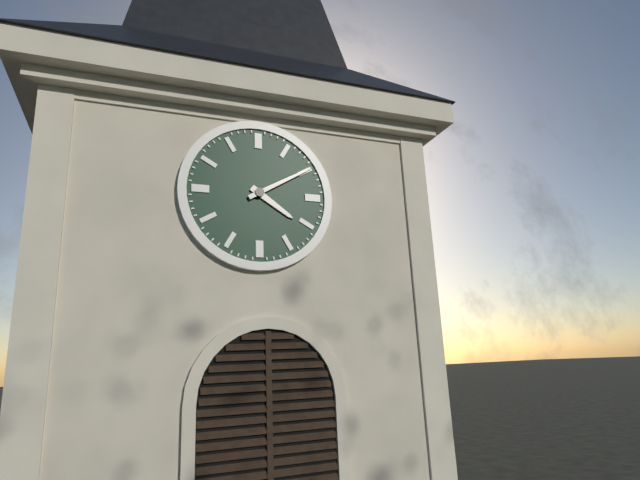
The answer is 4:10
